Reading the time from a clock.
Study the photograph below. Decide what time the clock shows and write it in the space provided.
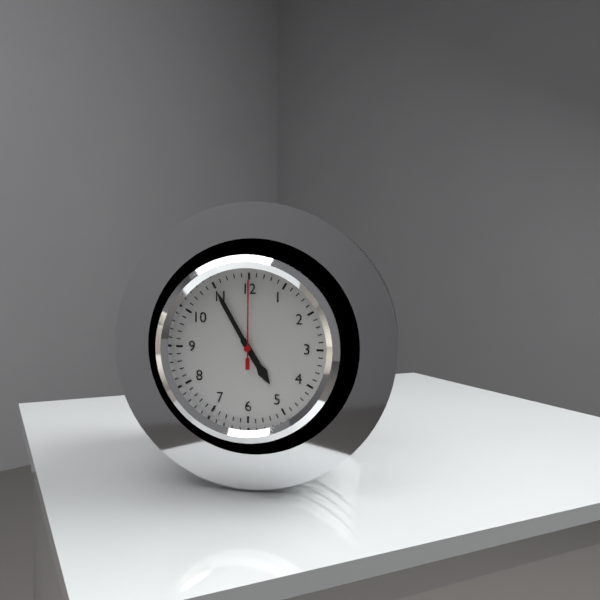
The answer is 4:55:00
